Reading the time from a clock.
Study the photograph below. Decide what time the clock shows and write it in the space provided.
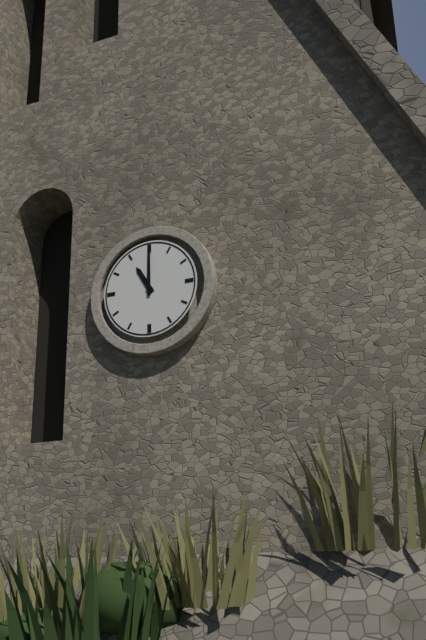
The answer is 11:00
